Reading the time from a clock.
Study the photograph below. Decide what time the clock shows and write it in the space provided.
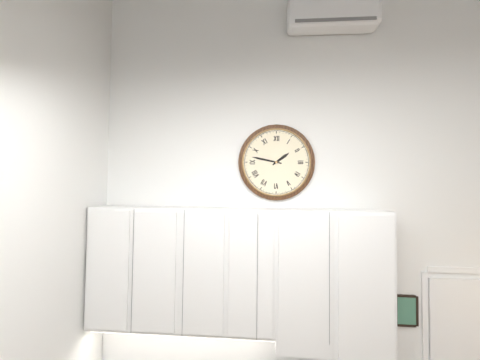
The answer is 1:47
